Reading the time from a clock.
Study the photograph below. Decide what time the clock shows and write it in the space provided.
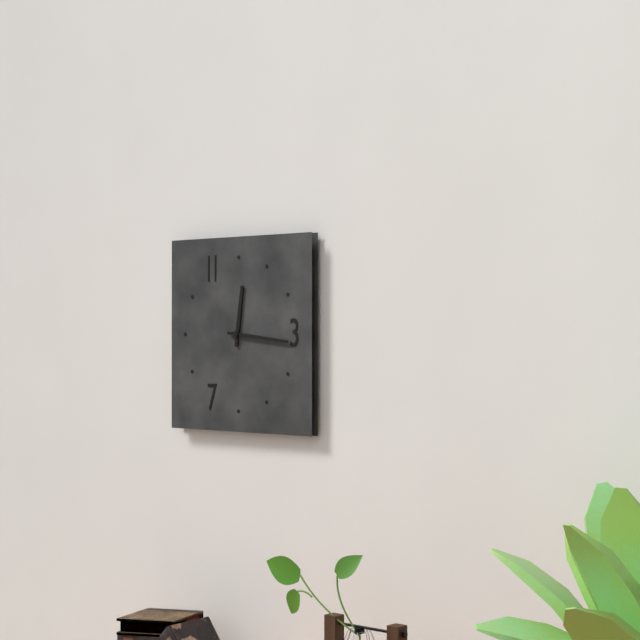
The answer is 12:16
